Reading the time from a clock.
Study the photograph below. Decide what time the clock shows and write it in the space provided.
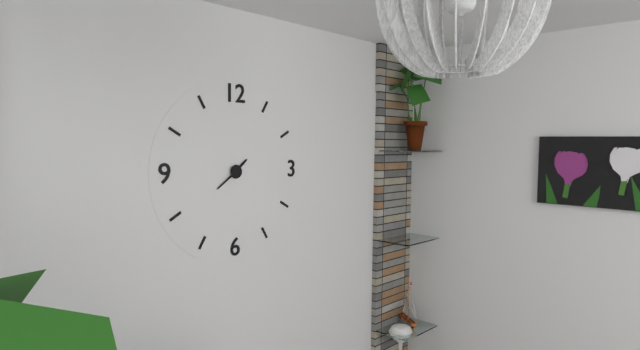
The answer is 1:39
